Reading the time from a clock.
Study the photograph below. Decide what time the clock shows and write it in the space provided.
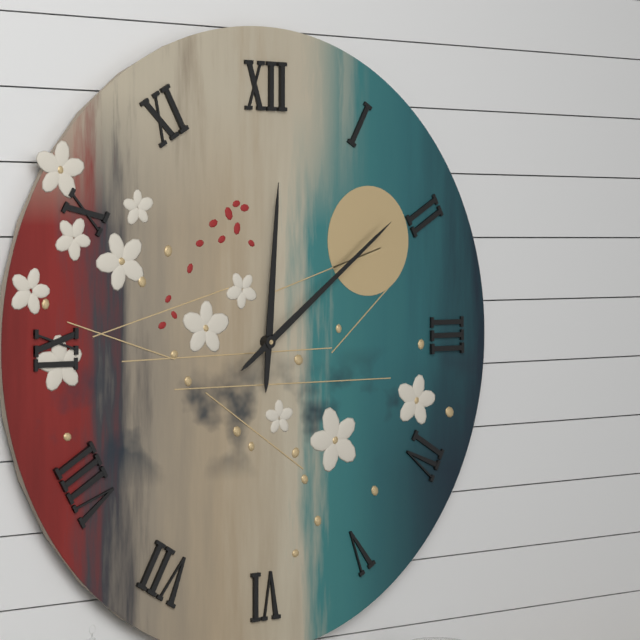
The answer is 12:09
